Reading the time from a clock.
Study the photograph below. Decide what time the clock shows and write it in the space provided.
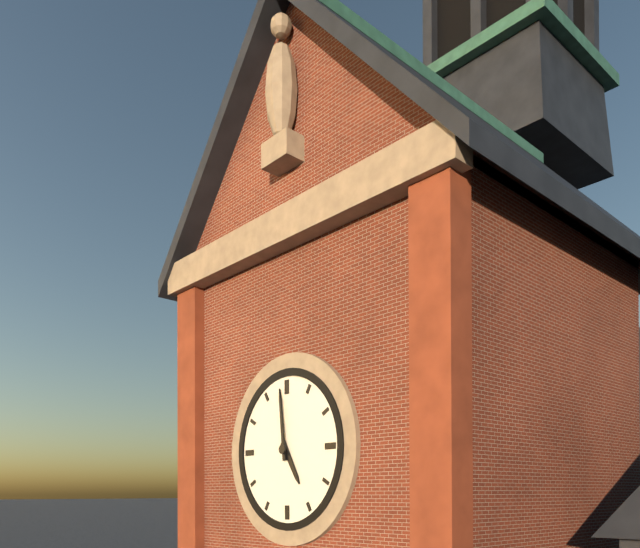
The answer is 4:59
